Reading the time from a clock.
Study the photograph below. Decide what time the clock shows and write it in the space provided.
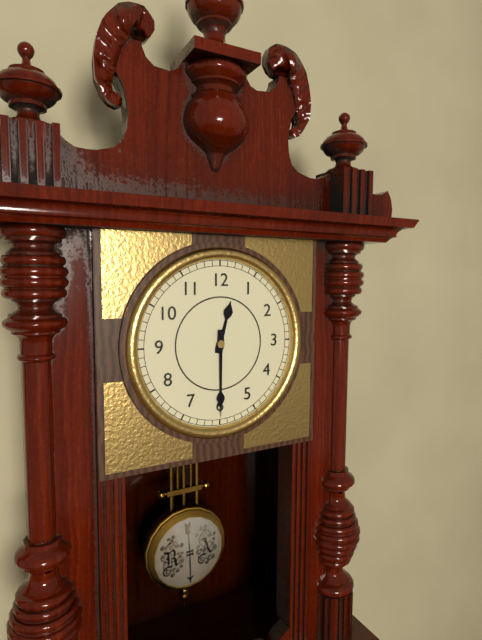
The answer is 12:30
